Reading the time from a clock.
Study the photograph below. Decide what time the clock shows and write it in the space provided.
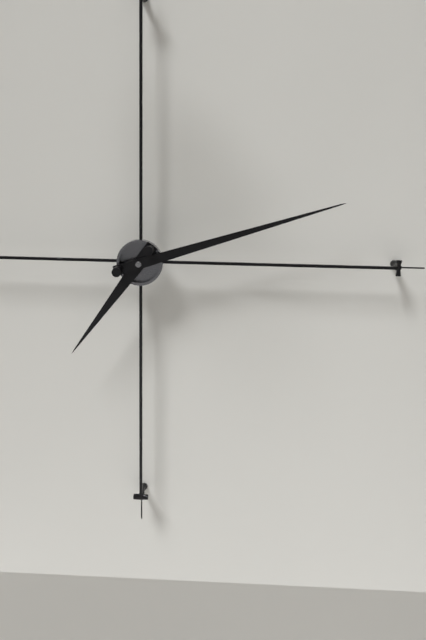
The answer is 7:12
